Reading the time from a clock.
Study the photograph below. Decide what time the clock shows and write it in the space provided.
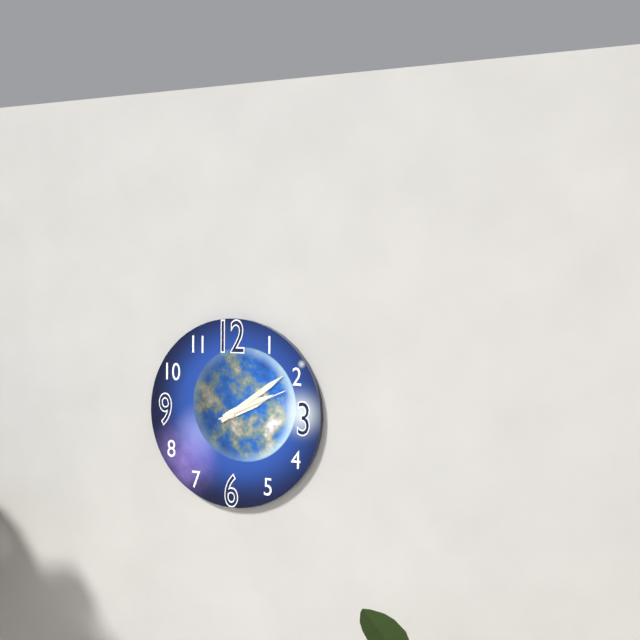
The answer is 2:09:11
